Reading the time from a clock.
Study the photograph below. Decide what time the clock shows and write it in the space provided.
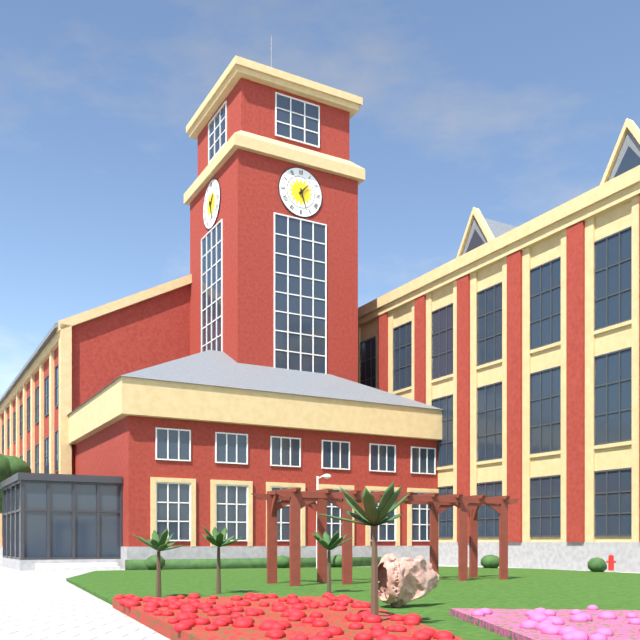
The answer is 1:27
